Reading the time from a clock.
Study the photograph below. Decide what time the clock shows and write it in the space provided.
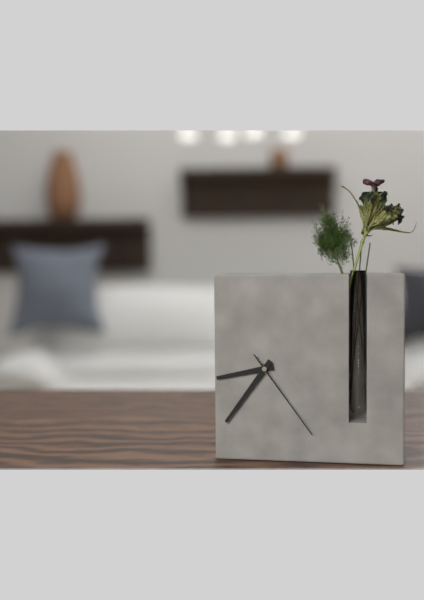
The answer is 8:36:24
